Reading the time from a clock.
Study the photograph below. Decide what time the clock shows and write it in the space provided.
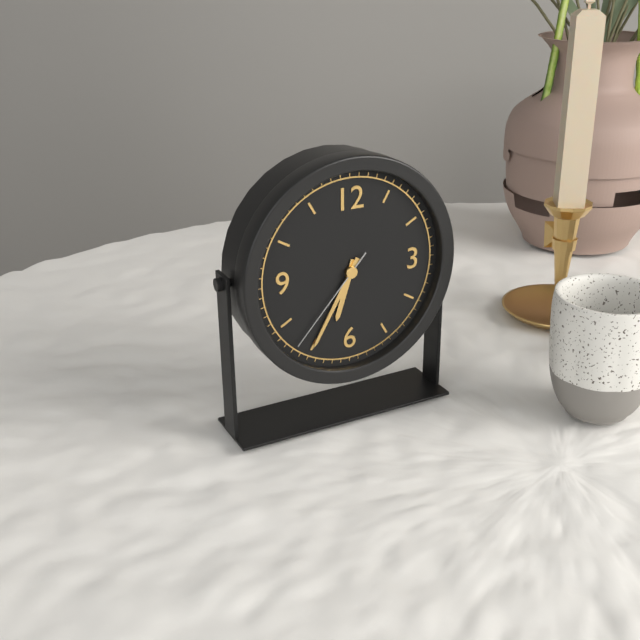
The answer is 6:35:37
